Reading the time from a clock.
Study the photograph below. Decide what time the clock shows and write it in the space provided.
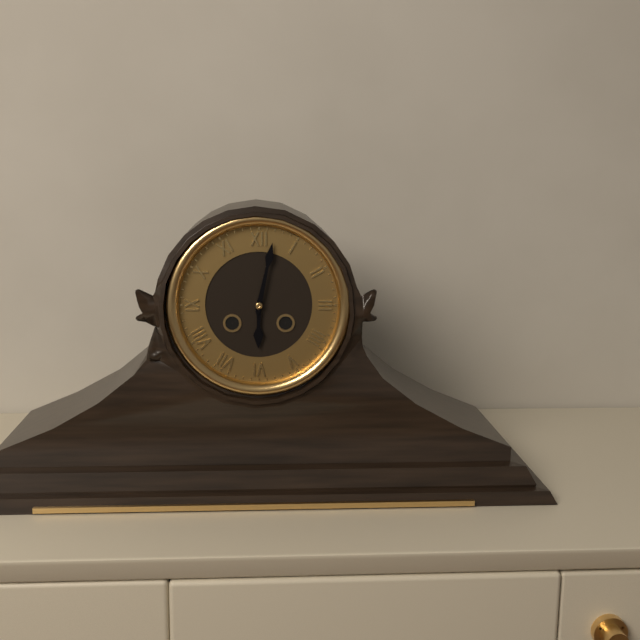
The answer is 6:02
